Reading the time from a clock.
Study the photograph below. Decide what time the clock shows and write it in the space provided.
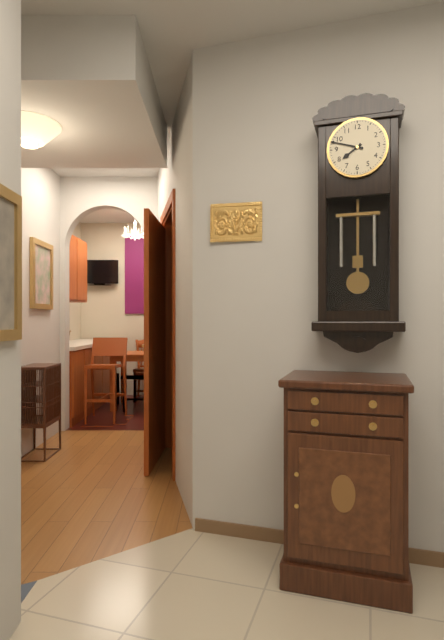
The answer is 7:48
